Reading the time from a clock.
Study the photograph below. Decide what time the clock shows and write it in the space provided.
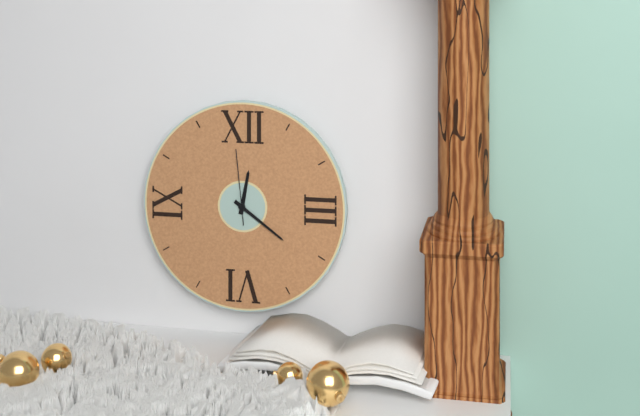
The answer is 12:21:59
